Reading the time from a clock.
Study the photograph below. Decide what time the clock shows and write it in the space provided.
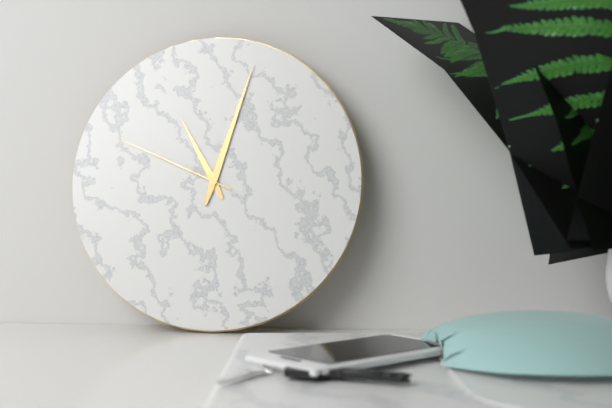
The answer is 11:03:49
